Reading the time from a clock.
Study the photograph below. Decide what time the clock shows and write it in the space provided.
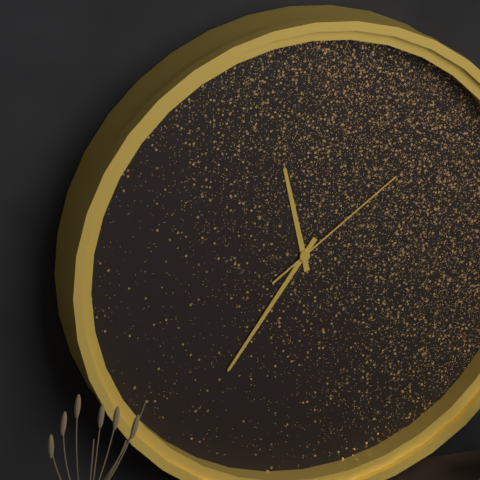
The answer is 11:36:09
